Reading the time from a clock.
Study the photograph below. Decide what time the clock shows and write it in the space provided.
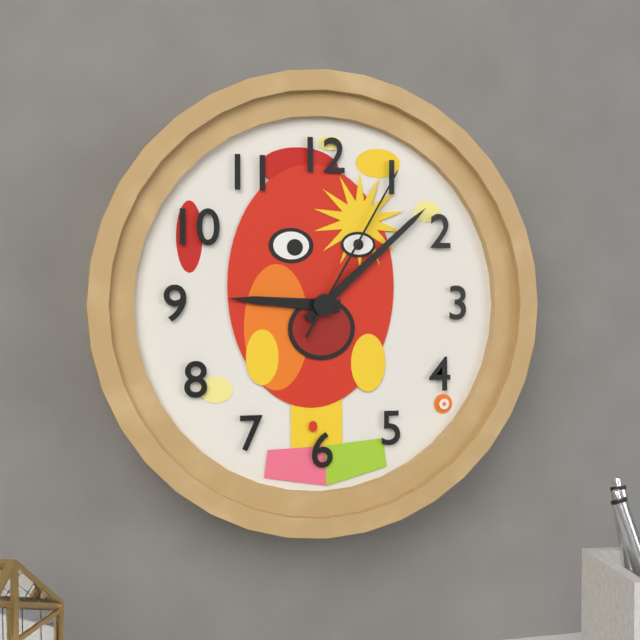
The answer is 9:08:05
